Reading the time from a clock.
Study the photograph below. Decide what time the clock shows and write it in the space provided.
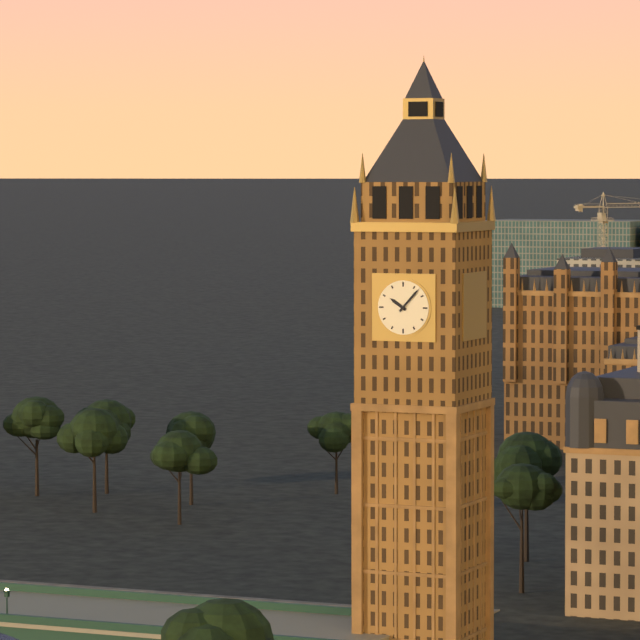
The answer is 10:07
